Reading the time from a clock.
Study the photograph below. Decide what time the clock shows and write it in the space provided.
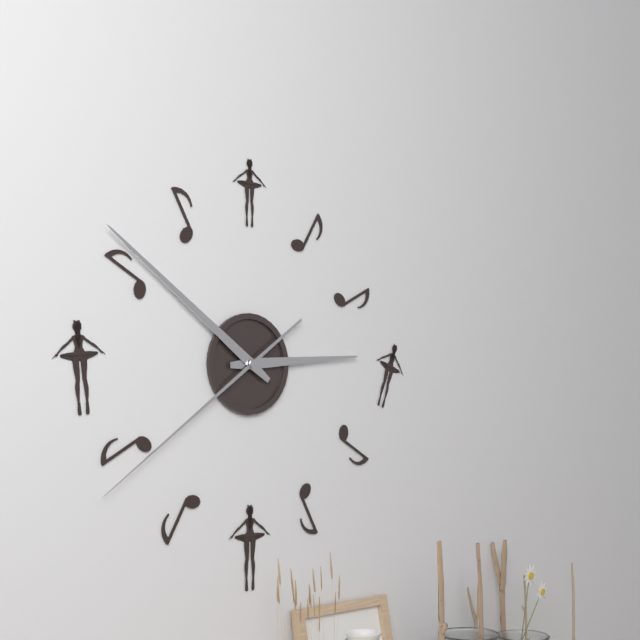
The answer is 2:51:39
